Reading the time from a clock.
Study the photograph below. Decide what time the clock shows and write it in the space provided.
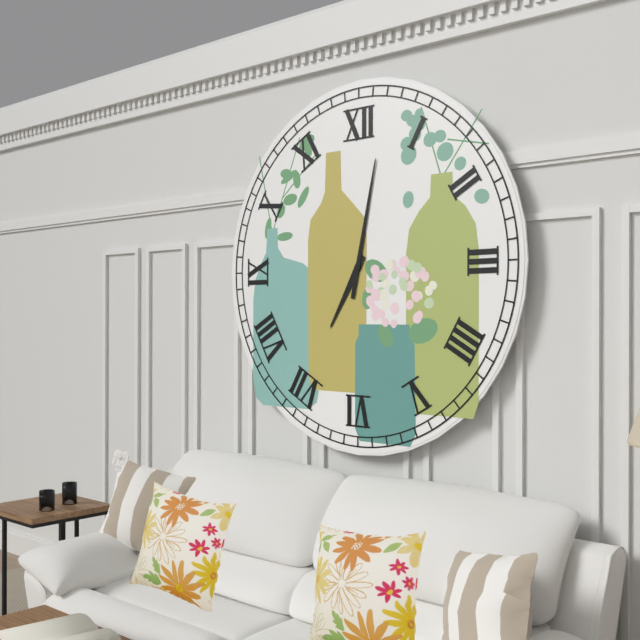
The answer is 7:02
